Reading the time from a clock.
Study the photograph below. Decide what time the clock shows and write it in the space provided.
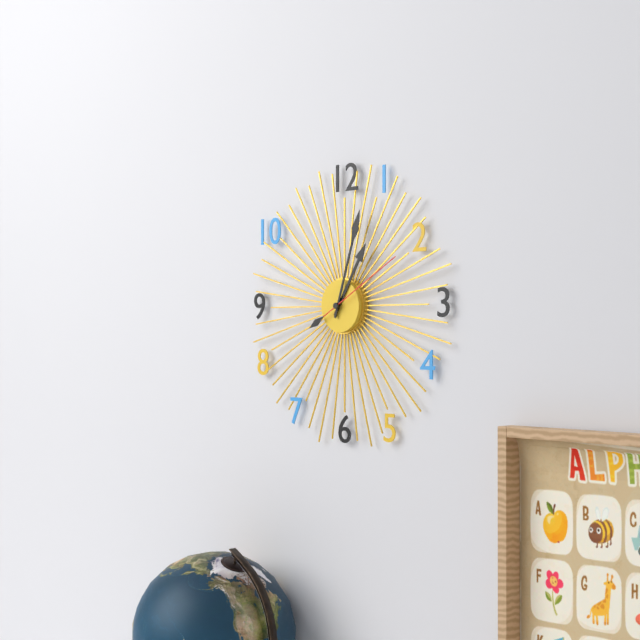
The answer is 1:03:10
